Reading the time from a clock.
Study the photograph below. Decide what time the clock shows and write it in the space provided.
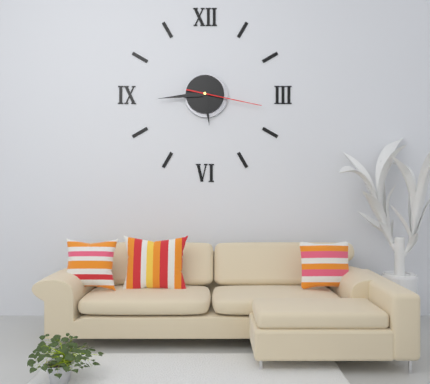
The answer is 5:44:17
